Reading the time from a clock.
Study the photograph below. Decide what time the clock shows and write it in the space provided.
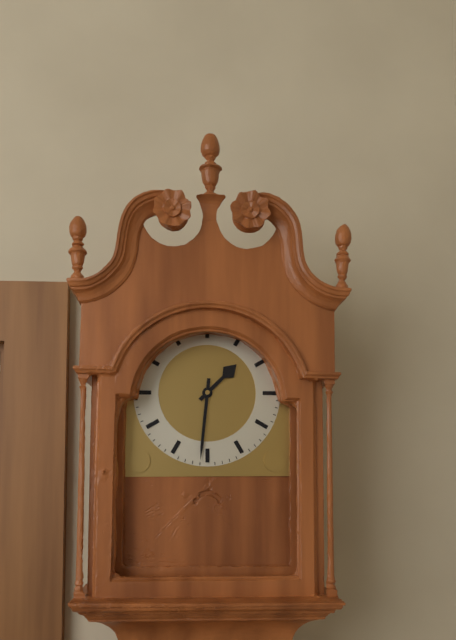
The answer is 1:31
